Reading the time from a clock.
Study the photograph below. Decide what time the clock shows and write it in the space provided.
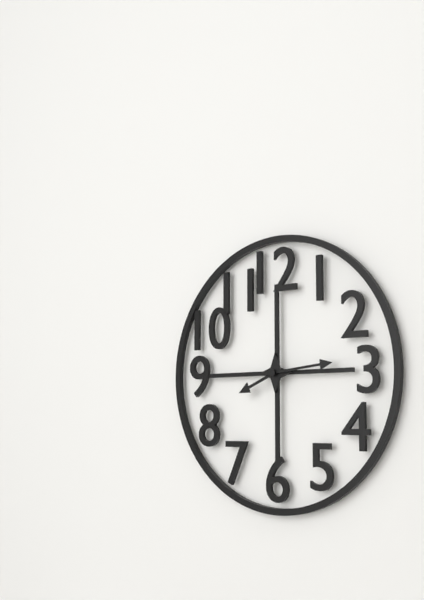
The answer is 8:14
